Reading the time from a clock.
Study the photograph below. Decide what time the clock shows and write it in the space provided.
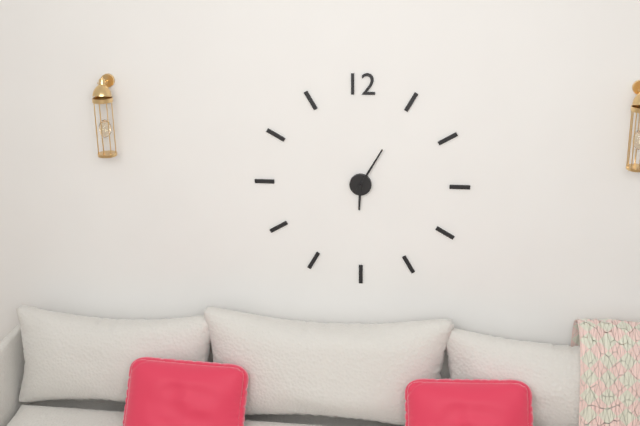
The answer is 6:05
